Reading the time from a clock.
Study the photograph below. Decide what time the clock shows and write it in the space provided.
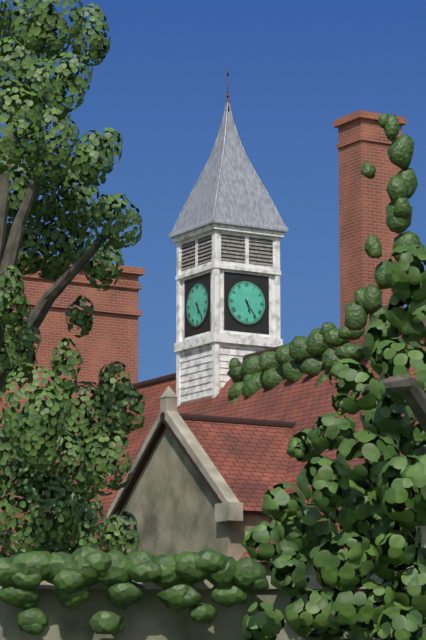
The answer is 5:24
